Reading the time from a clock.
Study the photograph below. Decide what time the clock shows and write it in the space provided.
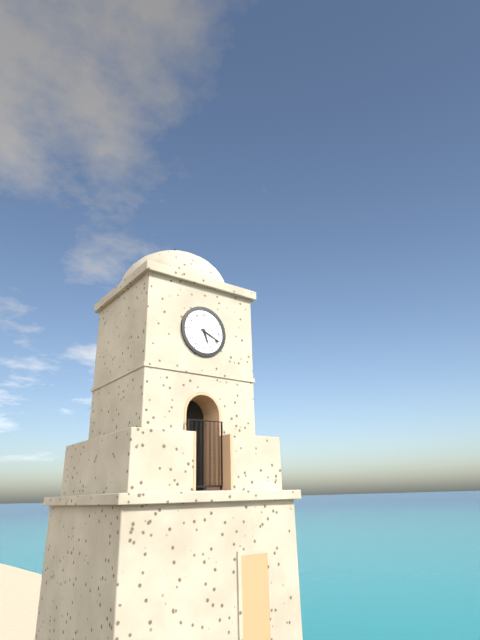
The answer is 5:19
